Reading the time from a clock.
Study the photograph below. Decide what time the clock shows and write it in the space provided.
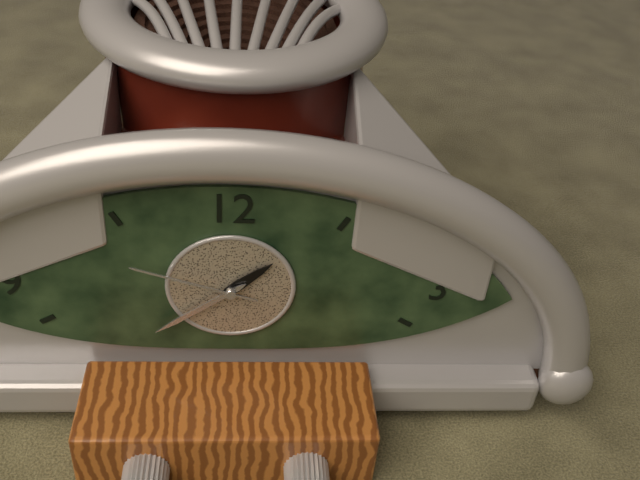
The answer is 1:39:48
